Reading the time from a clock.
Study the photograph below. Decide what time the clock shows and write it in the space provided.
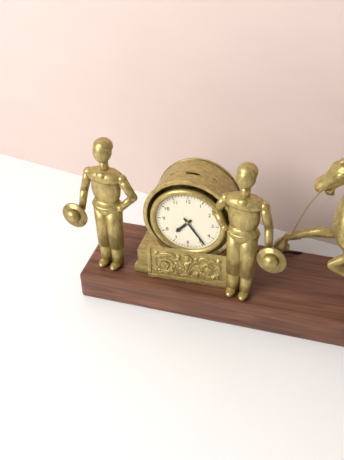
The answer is 7:24
